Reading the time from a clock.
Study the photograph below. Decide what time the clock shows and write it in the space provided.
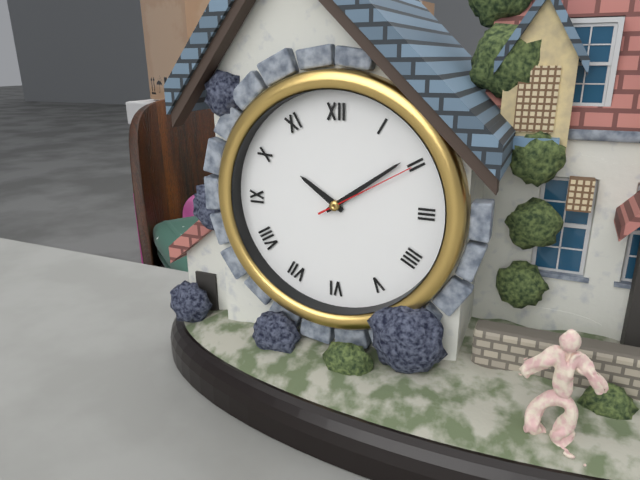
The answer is 10:09:10
